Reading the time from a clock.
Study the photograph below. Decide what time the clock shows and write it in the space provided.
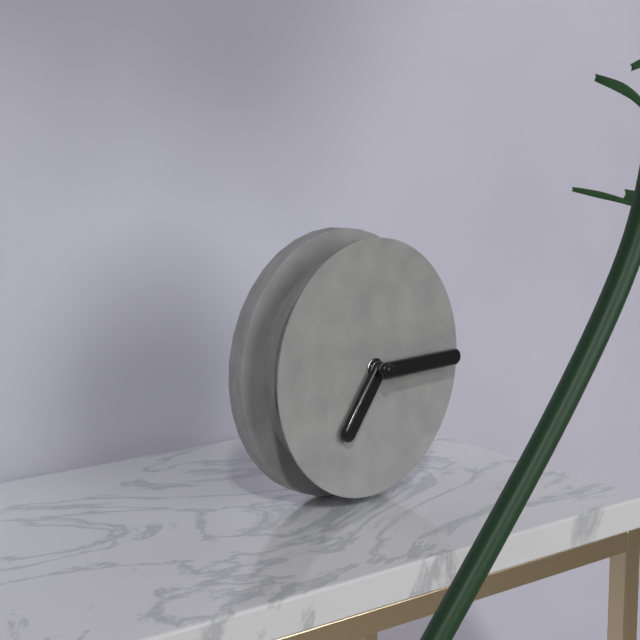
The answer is 7:15
